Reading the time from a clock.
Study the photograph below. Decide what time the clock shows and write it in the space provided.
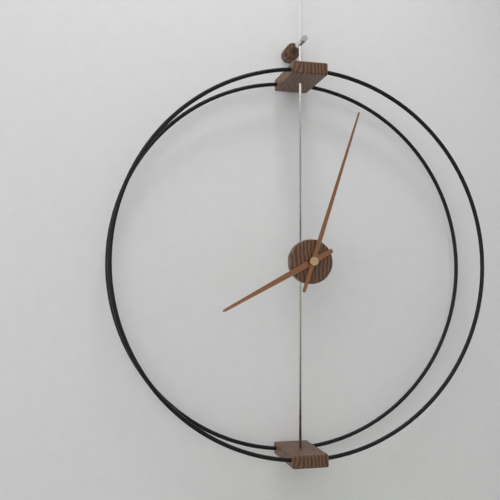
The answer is 8:03
